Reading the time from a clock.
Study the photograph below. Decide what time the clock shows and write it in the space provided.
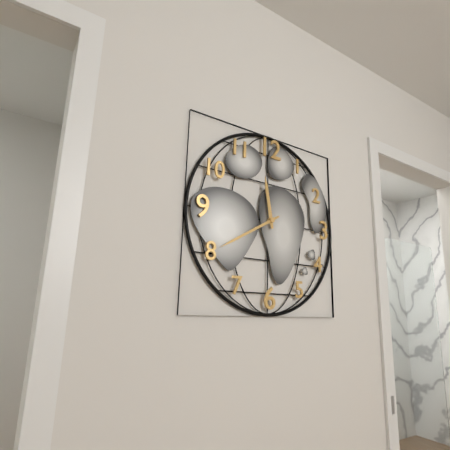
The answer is 11:40
